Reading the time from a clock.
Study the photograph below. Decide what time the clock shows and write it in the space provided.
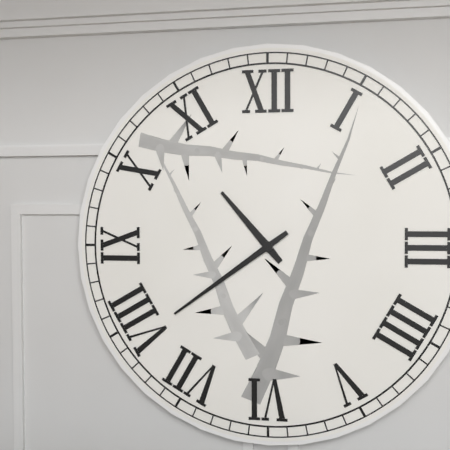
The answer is 10:39
